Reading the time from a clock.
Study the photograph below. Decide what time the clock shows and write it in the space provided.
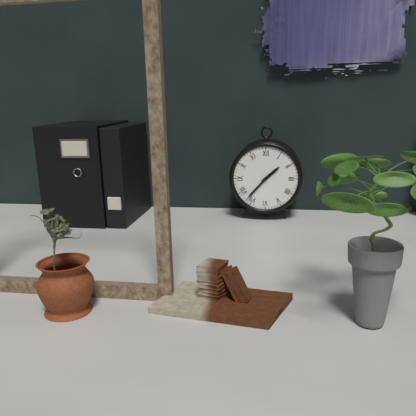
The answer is 1:37
